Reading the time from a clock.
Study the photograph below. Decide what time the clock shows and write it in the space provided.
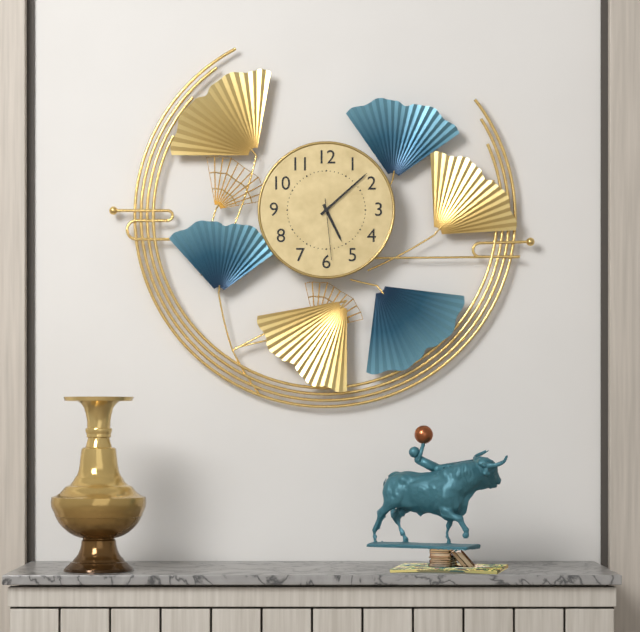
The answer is 5:08:29
